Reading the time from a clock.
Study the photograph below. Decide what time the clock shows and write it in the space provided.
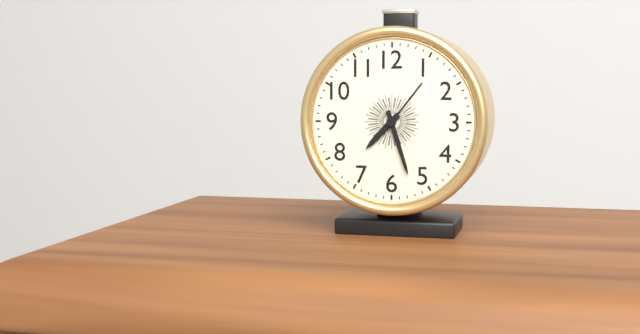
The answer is 7:27
